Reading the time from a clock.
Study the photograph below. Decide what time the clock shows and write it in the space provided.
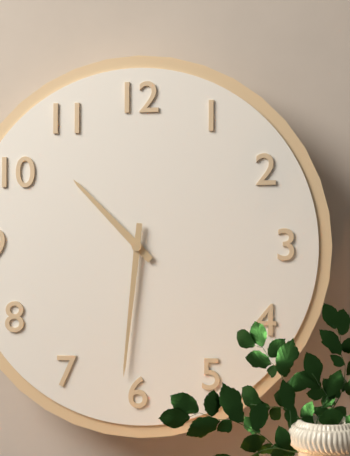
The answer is 10:31
